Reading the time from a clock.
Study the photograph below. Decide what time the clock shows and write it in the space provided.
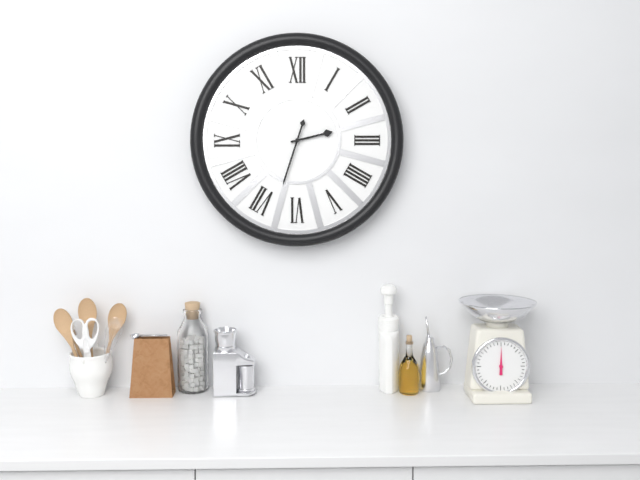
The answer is 2:33
